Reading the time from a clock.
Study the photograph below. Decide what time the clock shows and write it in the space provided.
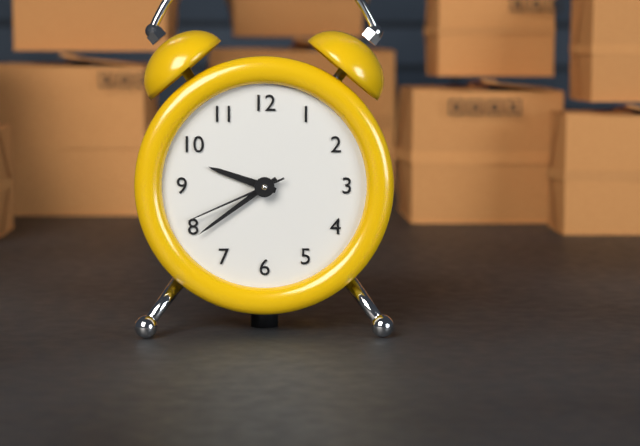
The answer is 9:39:41
